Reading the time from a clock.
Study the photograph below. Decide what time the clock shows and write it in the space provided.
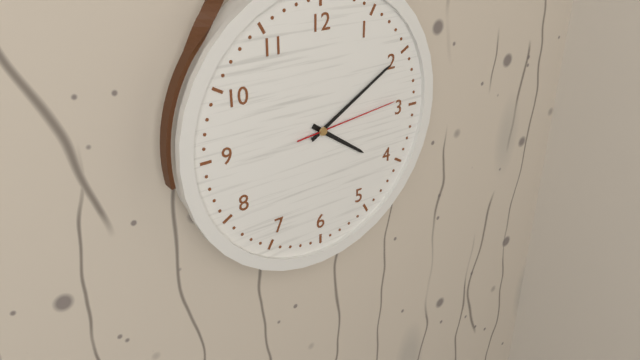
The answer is 4:10:14
